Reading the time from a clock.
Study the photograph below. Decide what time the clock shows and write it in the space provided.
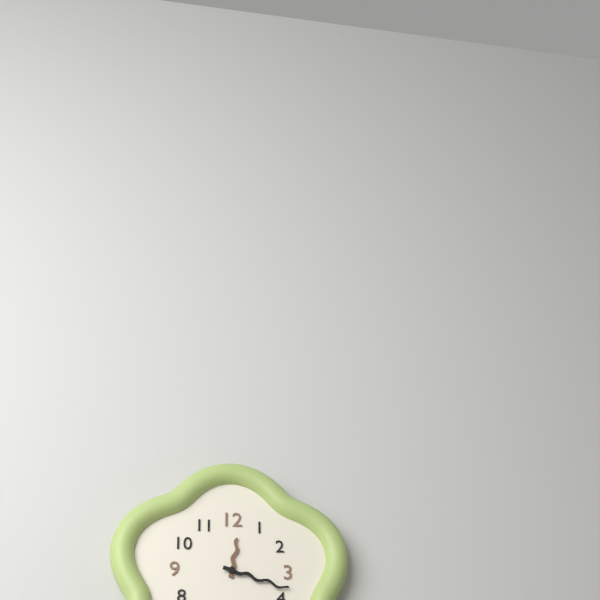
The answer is 12:18
